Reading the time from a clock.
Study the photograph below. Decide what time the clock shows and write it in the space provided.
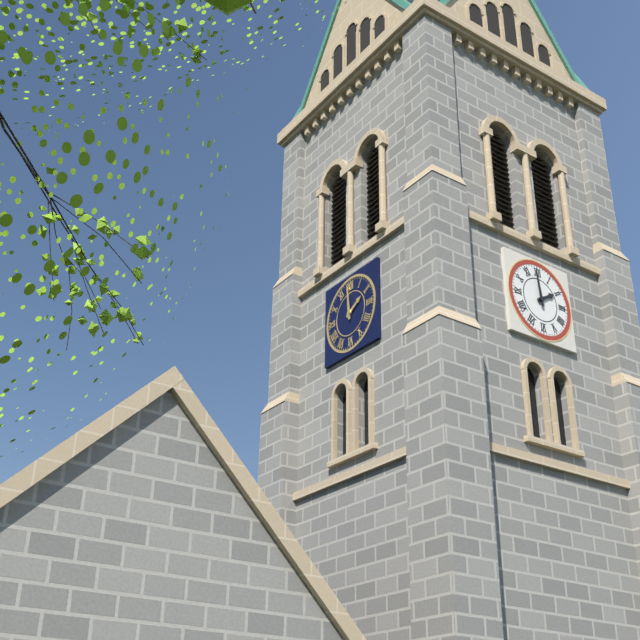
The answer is 1:59
